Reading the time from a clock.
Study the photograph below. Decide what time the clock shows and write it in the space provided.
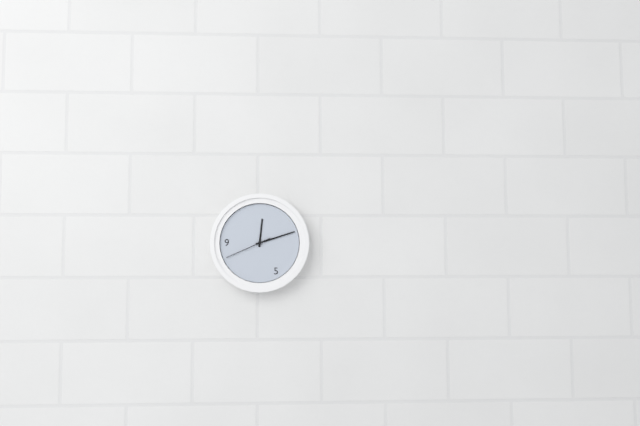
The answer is 12:12
